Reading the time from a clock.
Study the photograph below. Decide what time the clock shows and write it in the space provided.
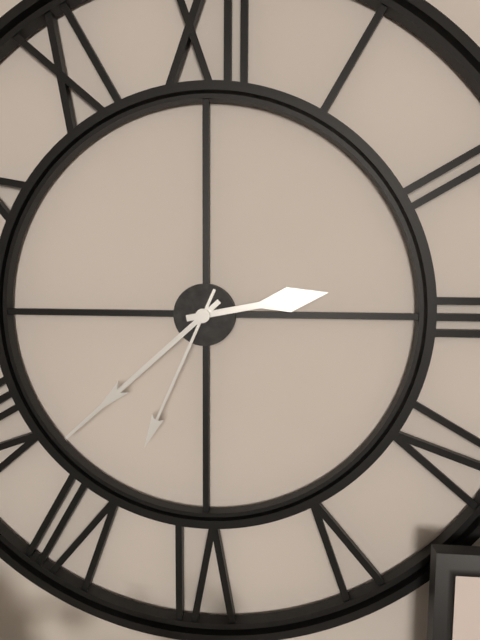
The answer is 2:38:34
